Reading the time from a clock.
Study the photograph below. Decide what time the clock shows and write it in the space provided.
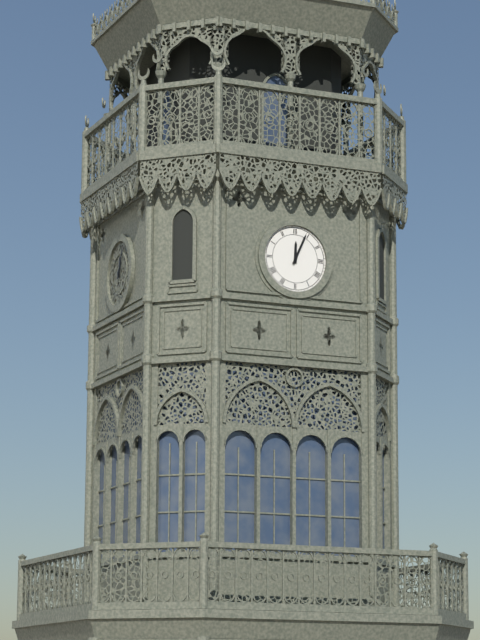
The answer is 12:04
